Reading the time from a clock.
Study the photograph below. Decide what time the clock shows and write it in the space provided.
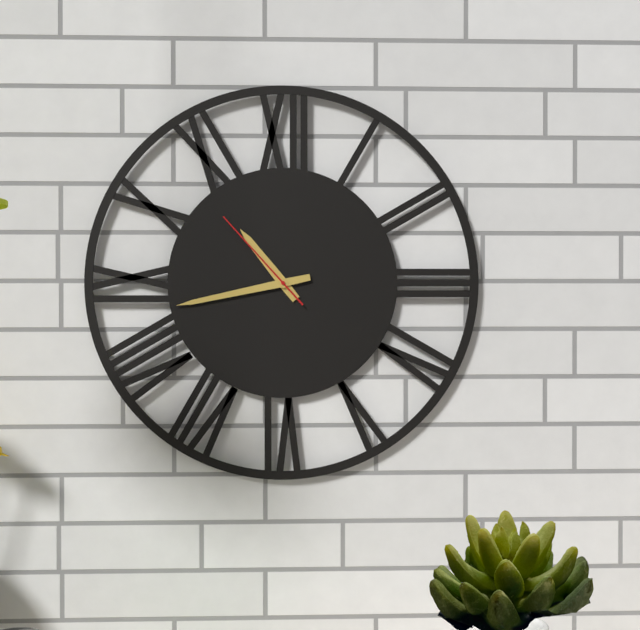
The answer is 10:43:53
